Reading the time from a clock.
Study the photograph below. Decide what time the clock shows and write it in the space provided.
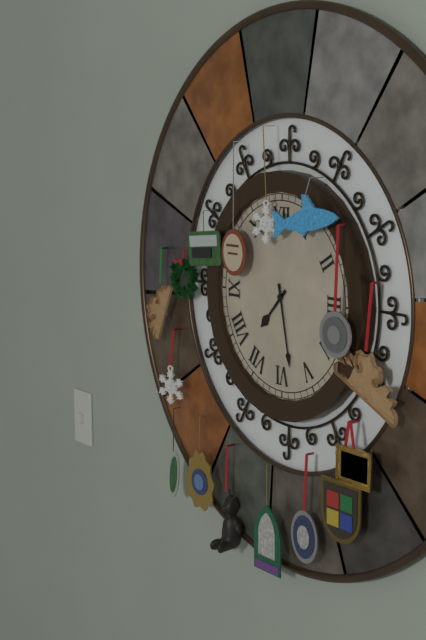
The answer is 7:28
